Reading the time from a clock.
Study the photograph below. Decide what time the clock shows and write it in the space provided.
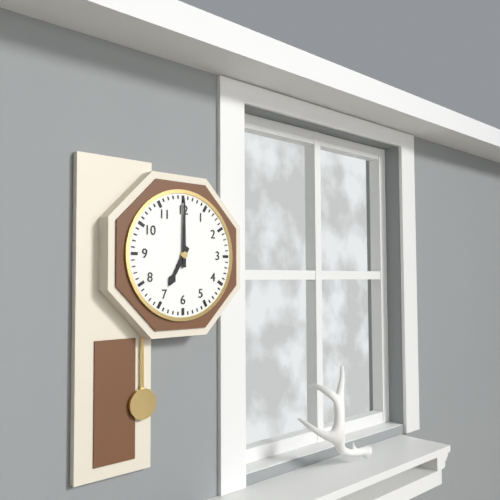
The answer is 7:00
